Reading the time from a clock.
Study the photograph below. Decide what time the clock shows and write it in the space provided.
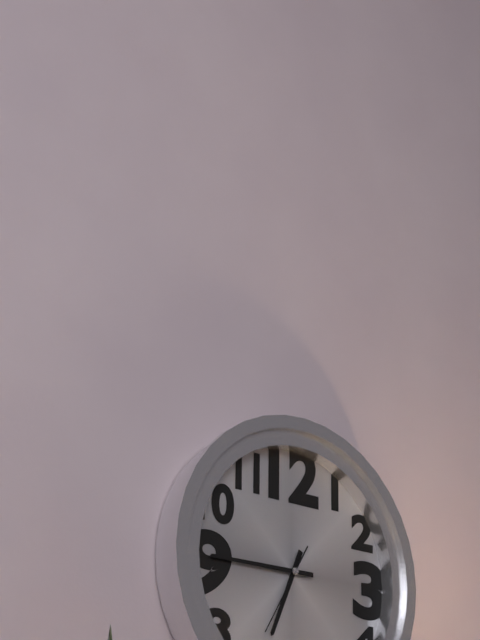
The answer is 6:45:35
